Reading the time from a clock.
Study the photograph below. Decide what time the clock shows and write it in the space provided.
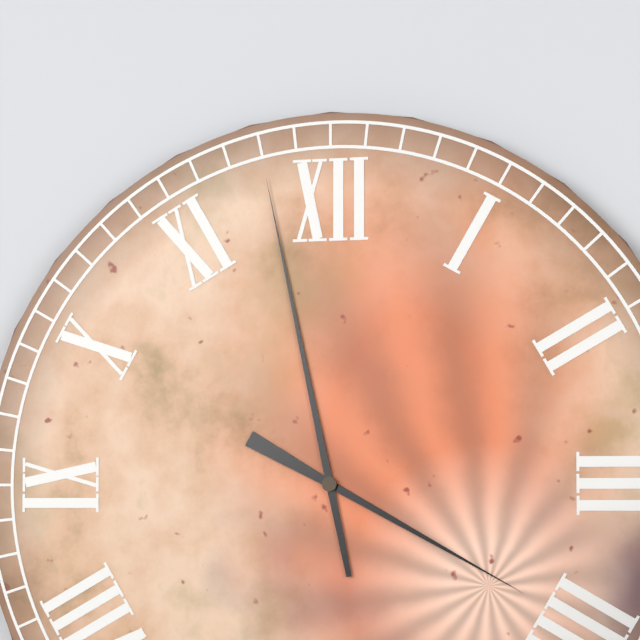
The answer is 3:58
